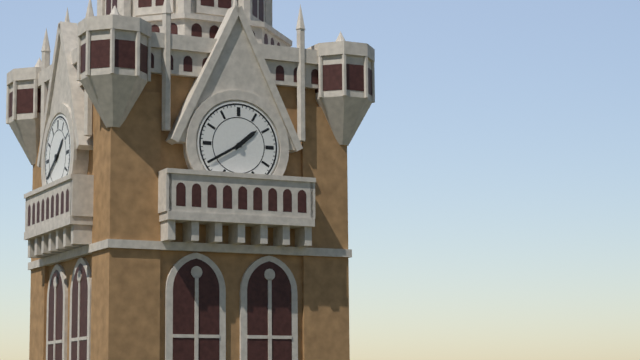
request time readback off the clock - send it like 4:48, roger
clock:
1:40
